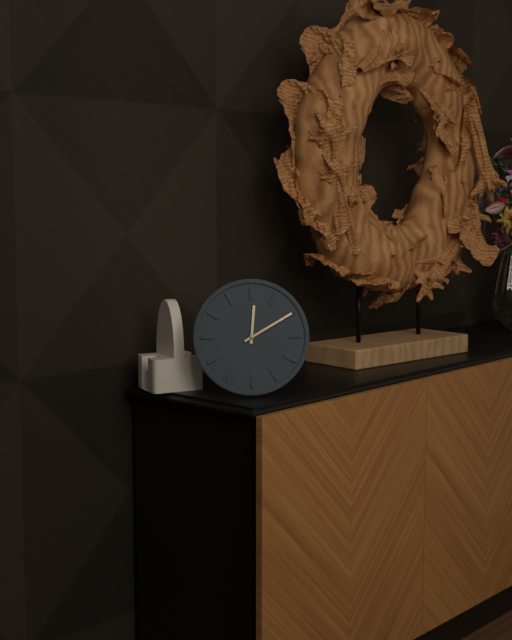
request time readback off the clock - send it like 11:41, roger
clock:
12:10
